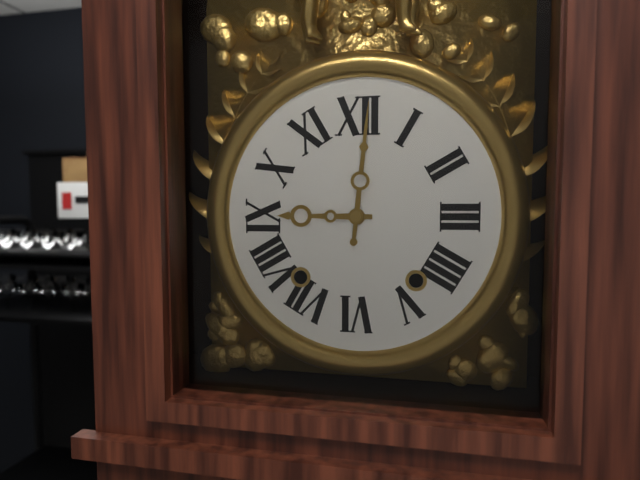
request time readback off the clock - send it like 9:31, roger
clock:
9:01
